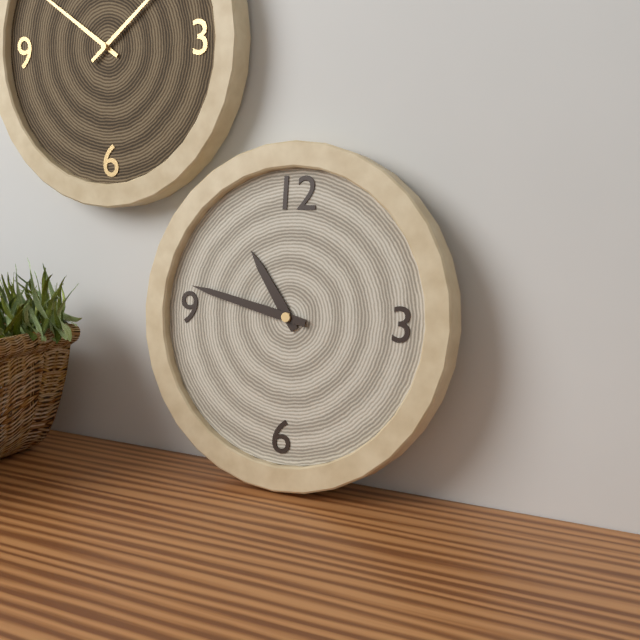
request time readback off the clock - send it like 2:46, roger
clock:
10:47
